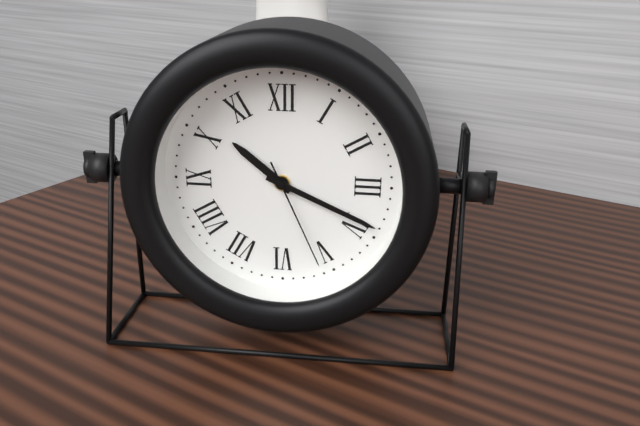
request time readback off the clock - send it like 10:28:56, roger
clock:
10:19:26
